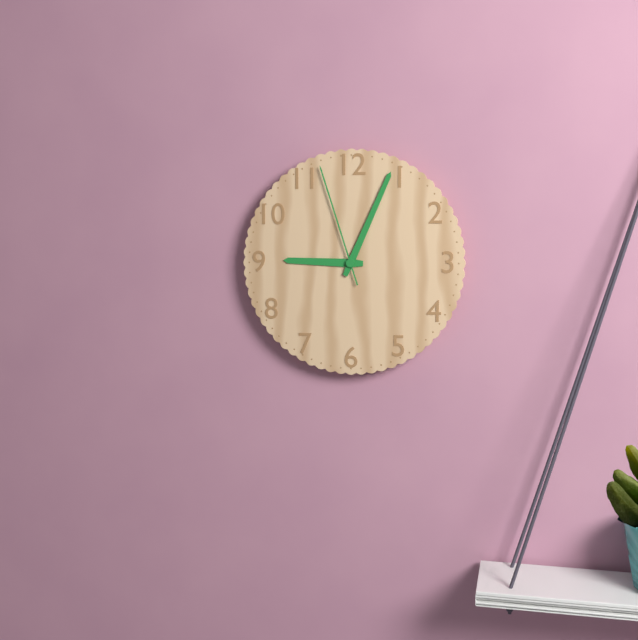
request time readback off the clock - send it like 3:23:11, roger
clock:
9:04:57
